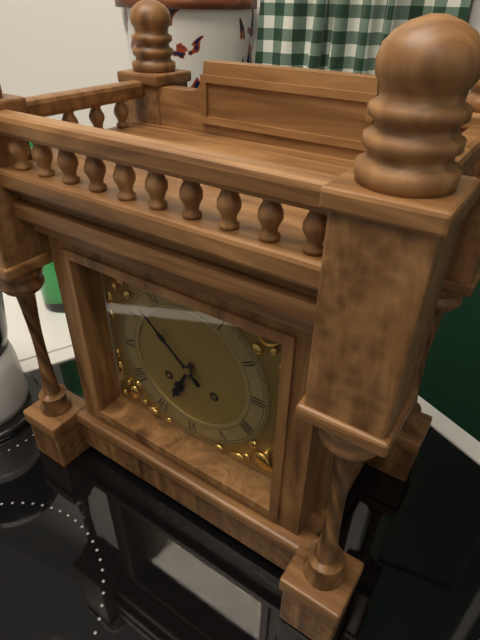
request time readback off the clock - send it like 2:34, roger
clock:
6:52
